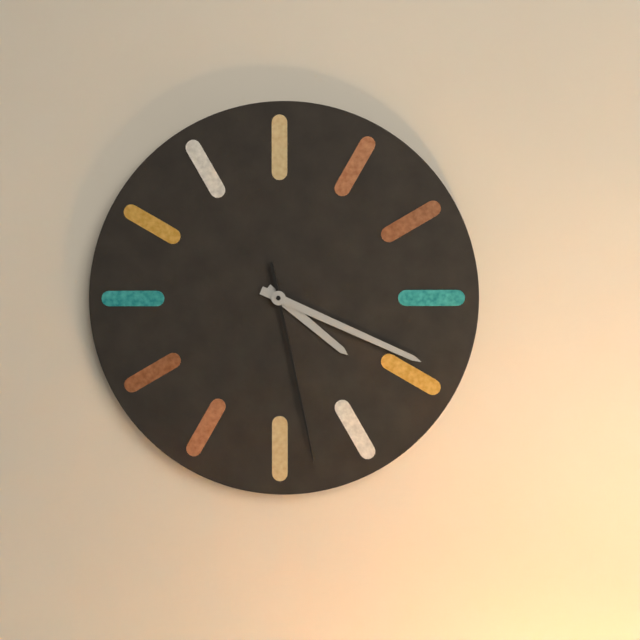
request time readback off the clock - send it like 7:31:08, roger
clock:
4:19:28
